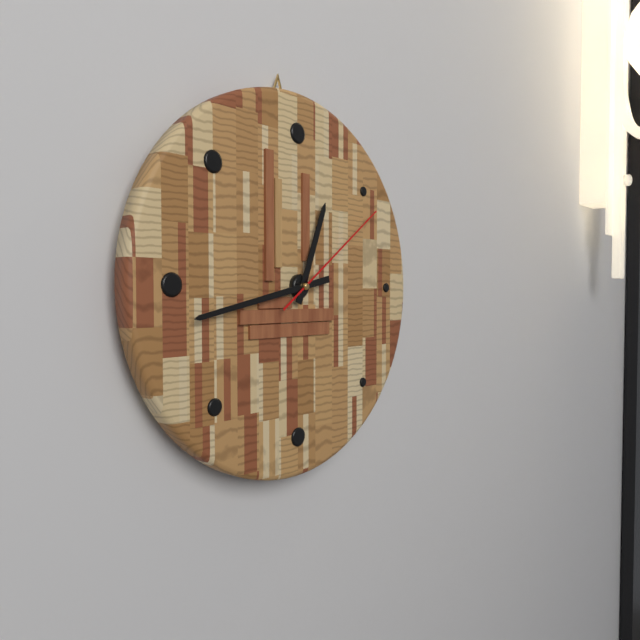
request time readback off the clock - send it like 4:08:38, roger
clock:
12:43:09
